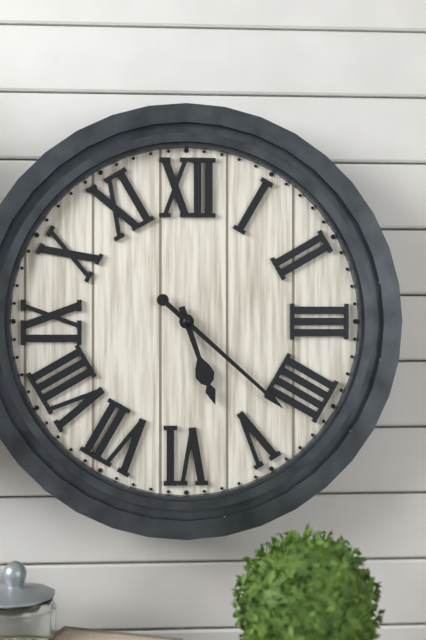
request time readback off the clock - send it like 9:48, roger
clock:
5:22
